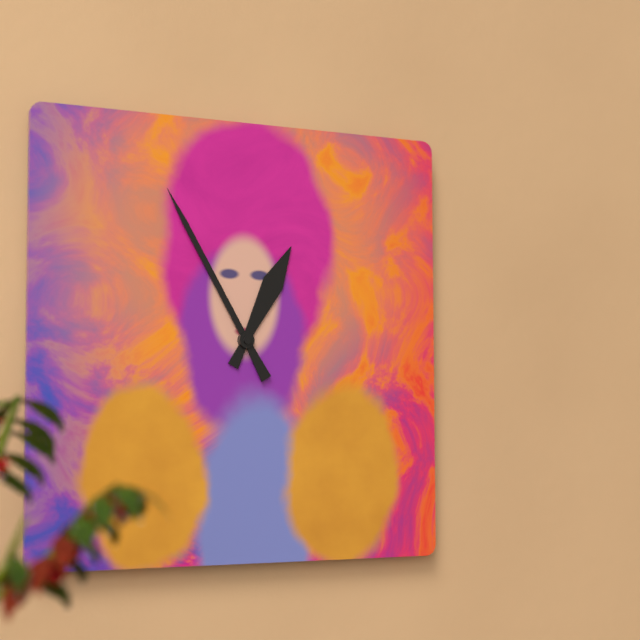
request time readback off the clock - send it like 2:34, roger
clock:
12:55
